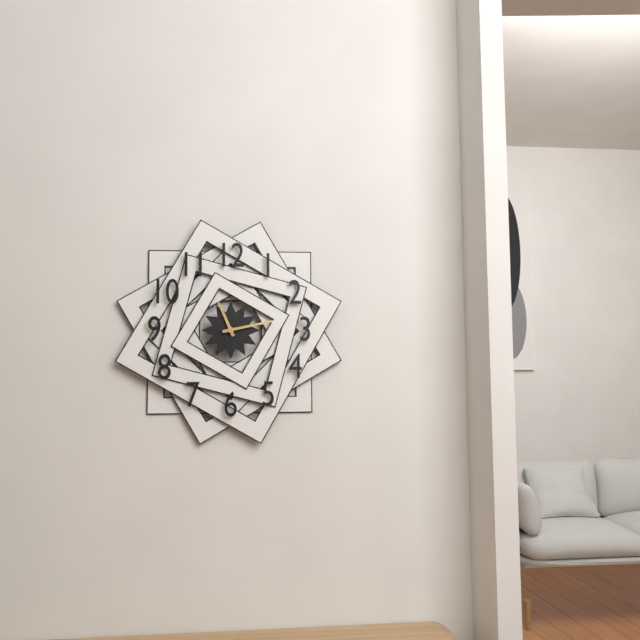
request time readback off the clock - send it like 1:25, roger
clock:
11:13
